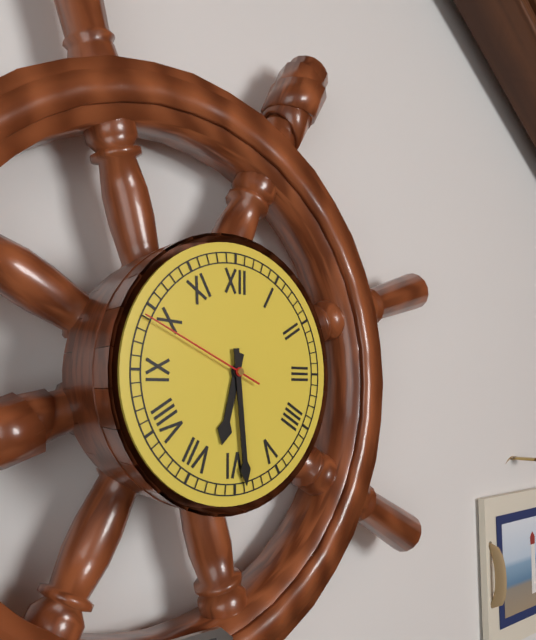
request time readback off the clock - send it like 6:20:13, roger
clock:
6:29:49
